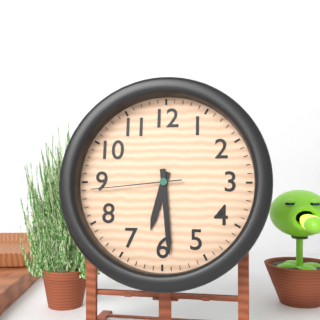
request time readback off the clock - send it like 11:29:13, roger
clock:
6:29:44
